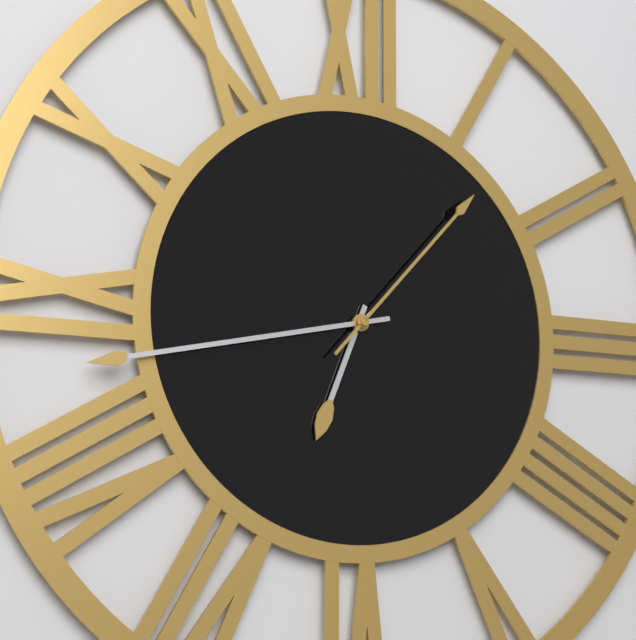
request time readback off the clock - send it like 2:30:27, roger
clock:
6:43:07
